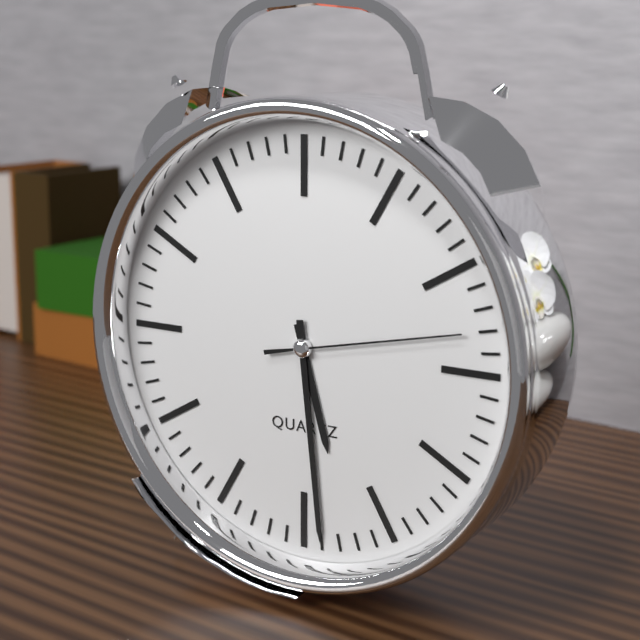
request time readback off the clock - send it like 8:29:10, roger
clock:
5:29:13
